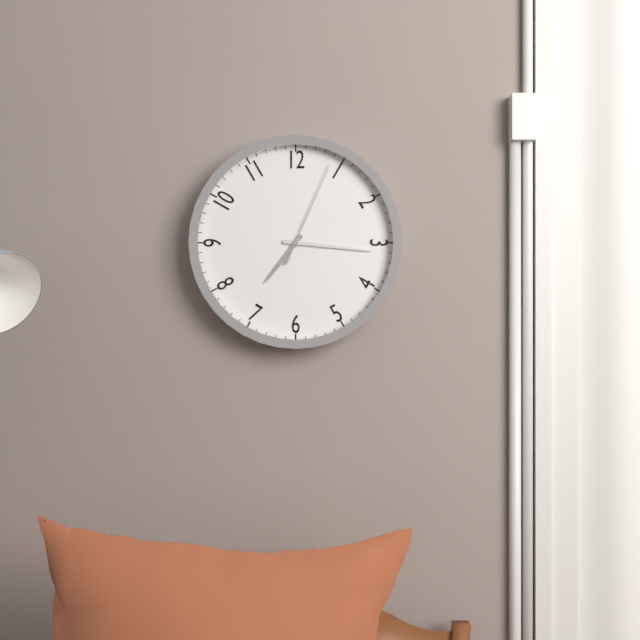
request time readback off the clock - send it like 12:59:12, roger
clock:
7:16:04
